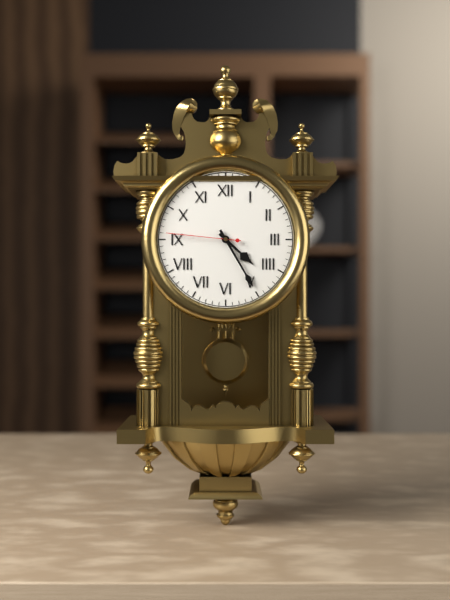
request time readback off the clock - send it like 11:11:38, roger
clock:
4:25:46
